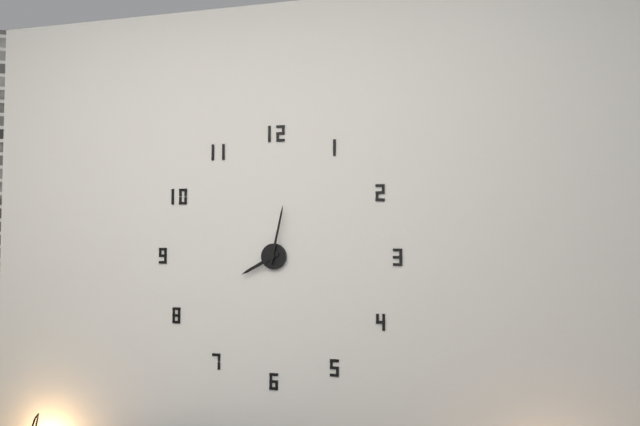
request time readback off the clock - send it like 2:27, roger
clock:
8:02
